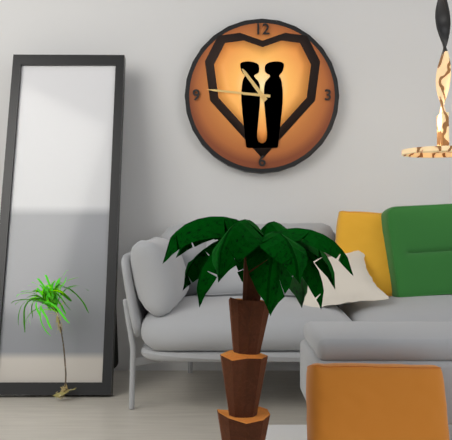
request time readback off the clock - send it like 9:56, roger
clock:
10:46
